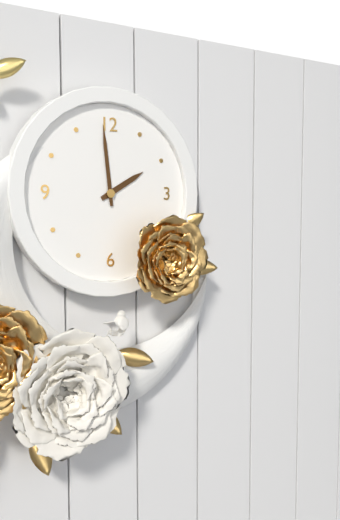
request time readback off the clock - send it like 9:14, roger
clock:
1:59
